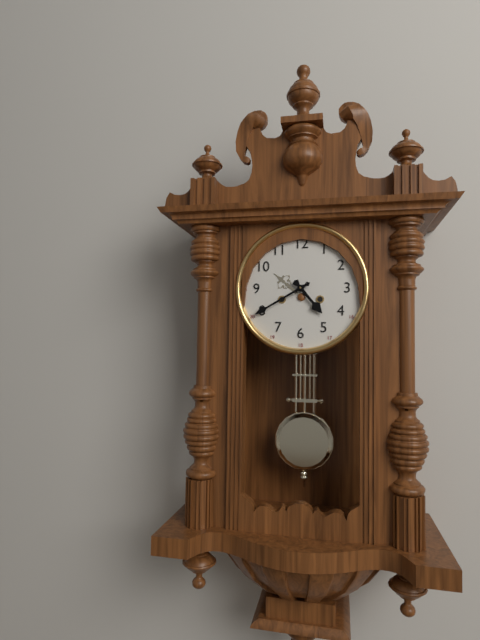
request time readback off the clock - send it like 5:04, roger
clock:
4:40
